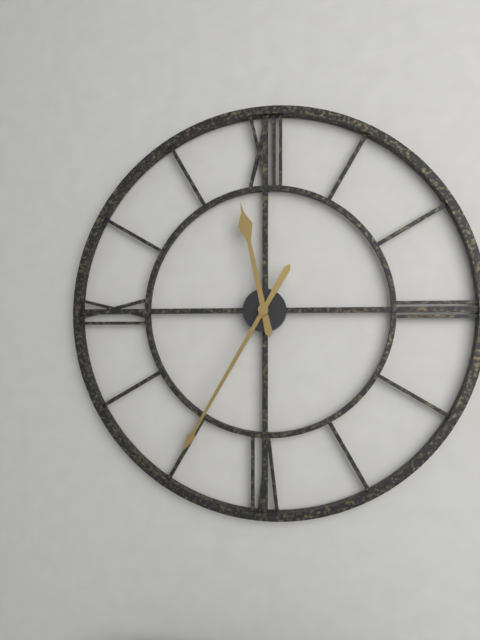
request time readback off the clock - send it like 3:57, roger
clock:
11:35
